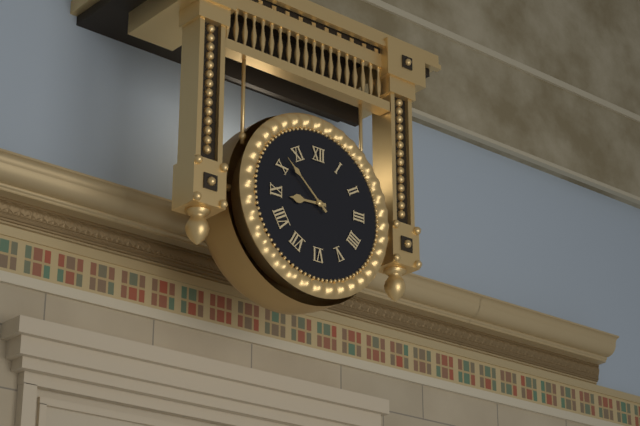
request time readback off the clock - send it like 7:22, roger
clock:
8:52
